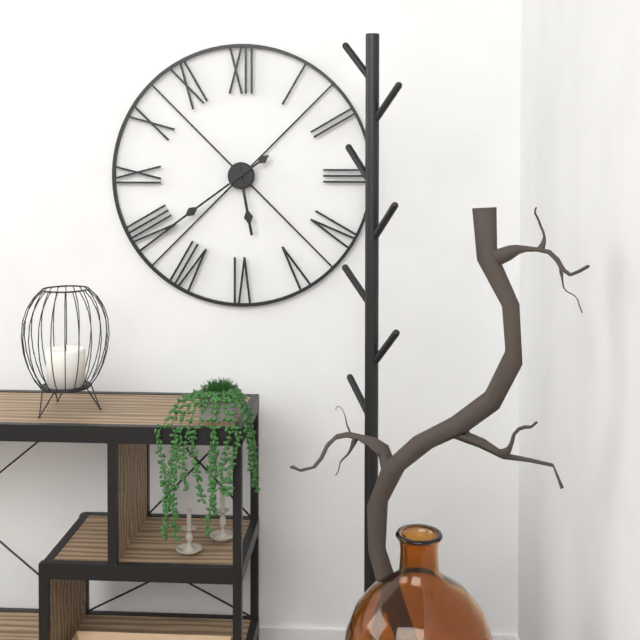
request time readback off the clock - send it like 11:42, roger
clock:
5:39
